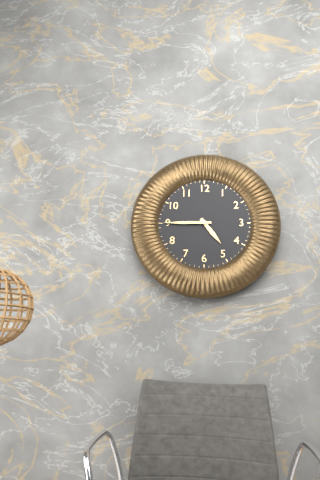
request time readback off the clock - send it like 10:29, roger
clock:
4:45
